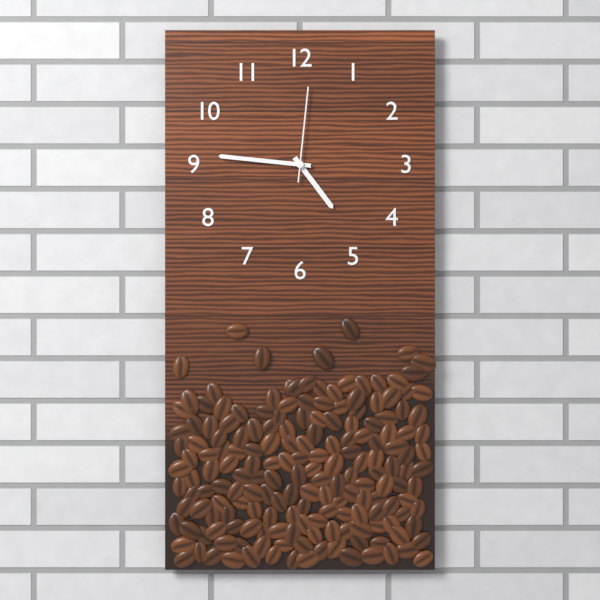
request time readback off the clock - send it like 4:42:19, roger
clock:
4:46:01
